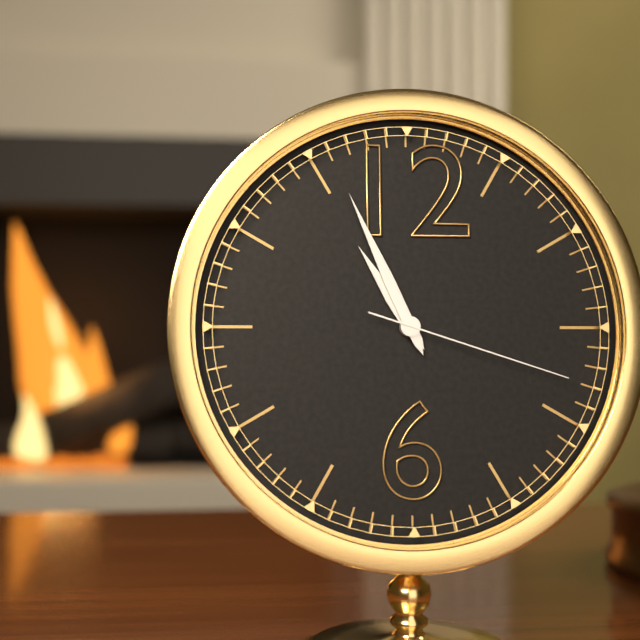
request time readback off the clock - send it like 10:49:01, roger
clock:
10:56:18
